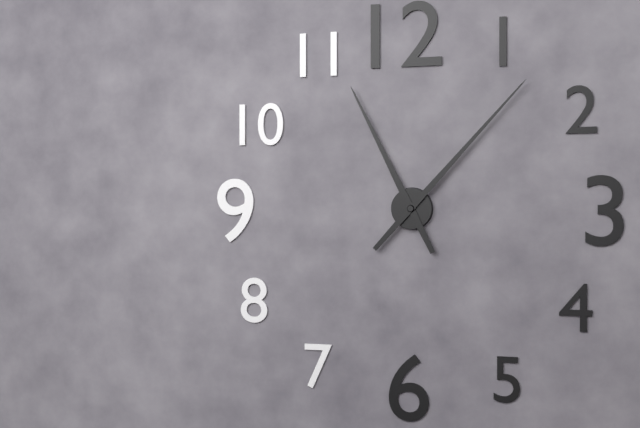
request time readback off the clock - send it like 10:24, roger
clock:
11:07
